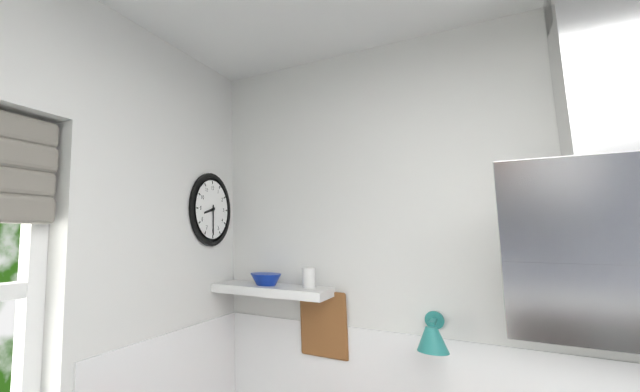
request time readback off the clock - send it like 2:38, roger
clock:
8:30
